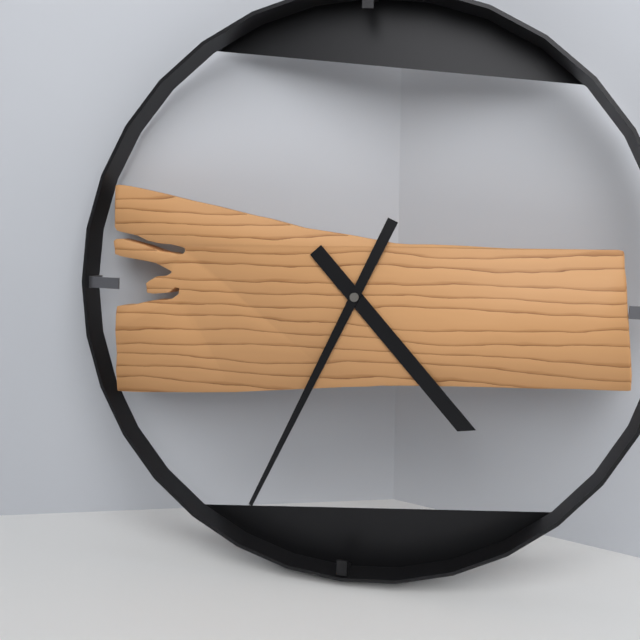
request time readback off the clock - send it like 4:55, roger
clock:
4:34
